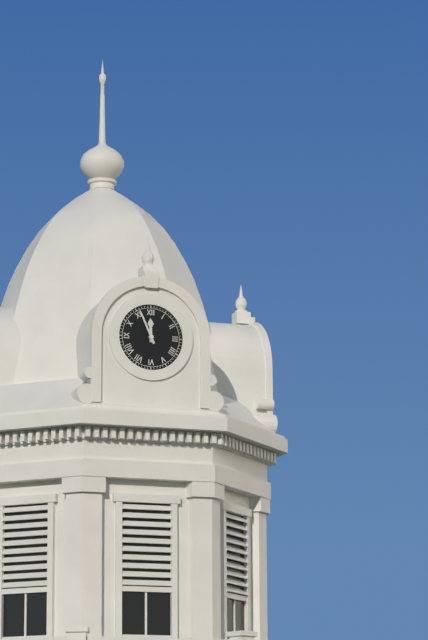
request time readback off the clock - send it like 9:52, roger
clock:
11:56
